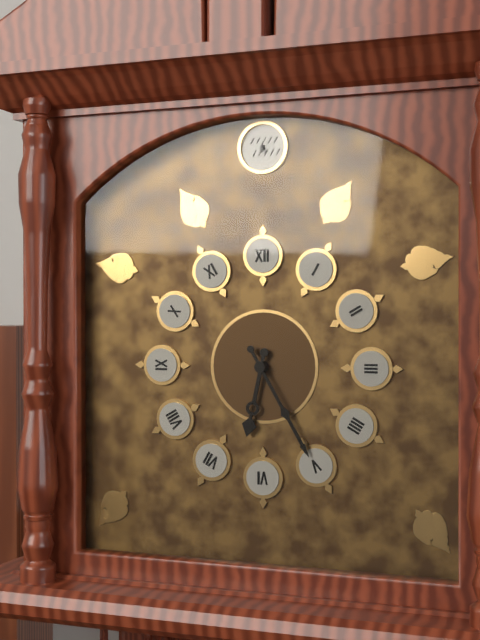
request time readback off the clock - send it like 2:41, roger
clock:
6:25
